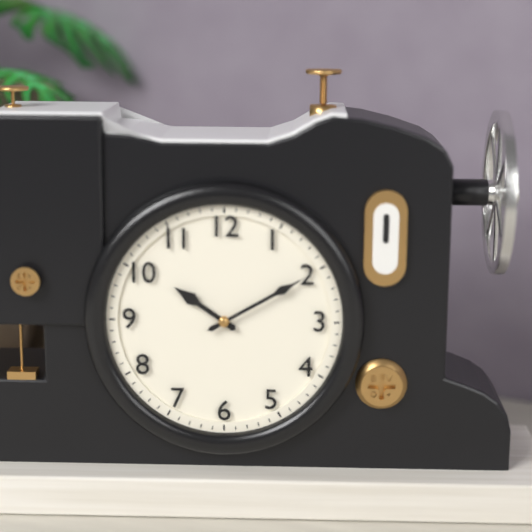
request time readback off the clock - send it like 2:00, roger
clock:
10:10
